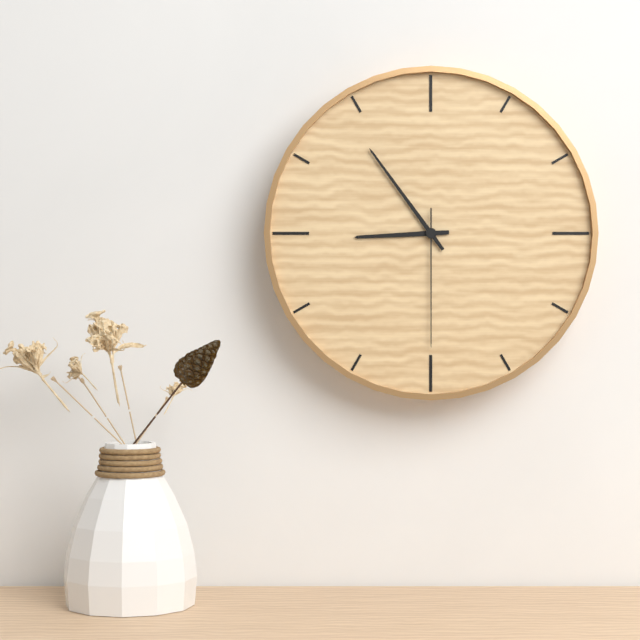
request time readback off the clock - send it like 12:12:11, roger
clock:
8:54:30
